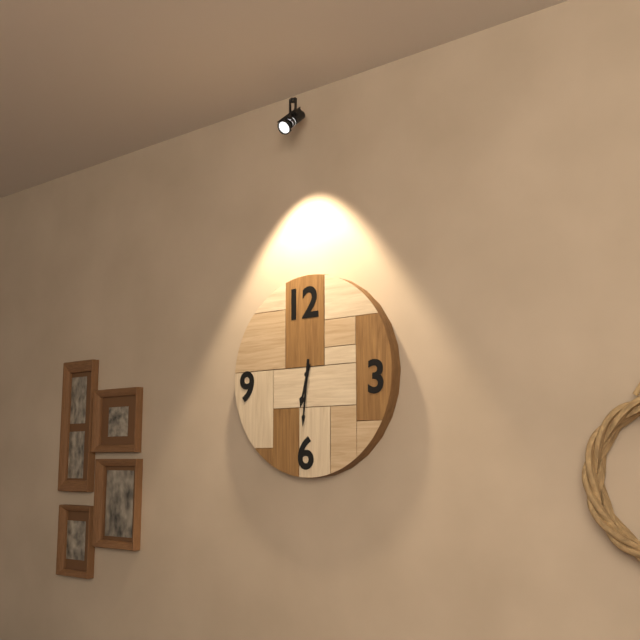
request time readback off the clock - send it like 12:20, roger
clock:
6:31
